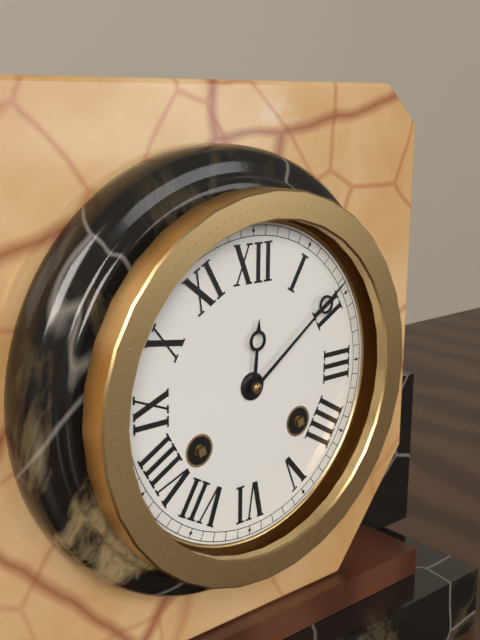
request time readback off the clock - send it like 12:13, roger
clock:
12:09
